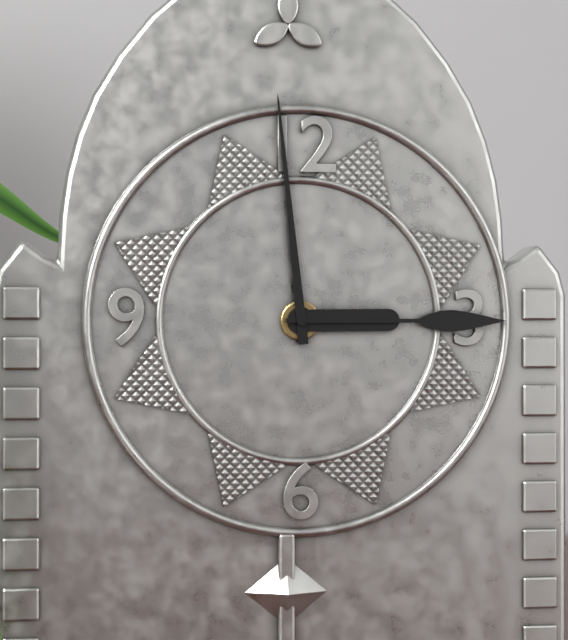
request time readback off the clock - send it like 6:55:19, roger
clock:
2:59:15
